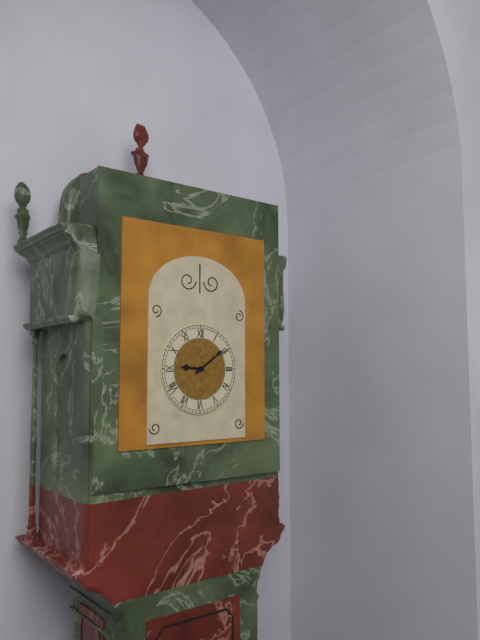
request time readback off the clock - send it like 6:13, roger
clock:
9:09
